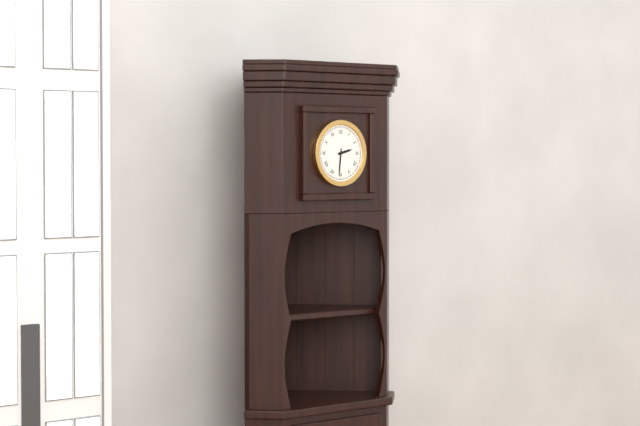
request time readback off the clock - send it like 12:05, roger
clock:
2:31
